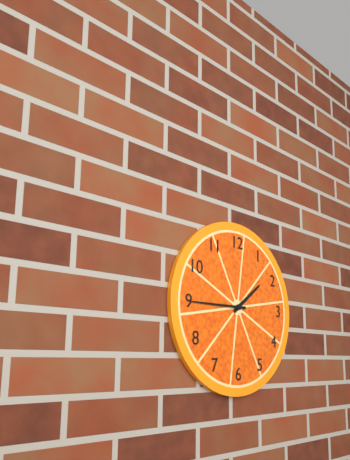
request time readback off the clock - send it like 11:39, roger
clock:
1:45
